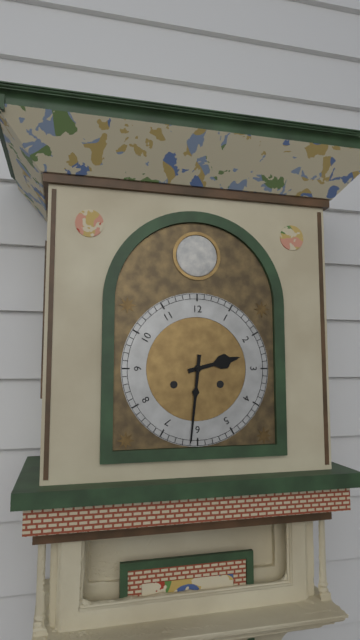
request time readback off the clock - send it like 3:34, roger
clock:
2:31
